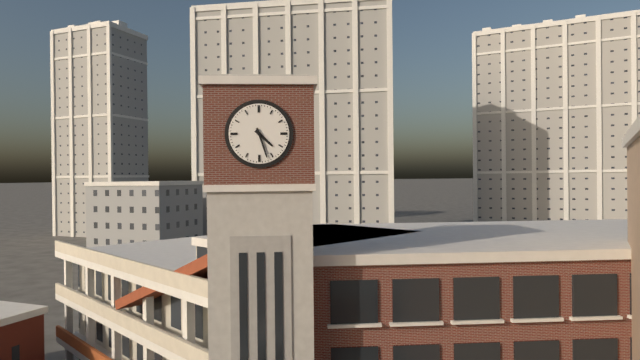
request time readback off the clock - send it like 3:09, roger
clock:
4:27
